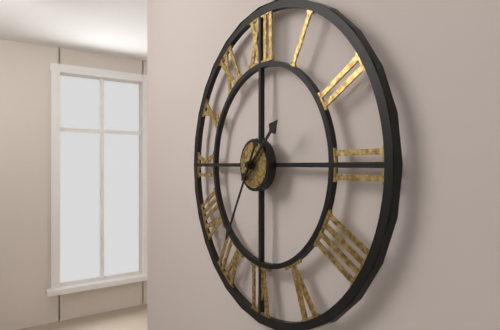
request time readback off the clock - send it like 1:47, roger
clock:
1:35
